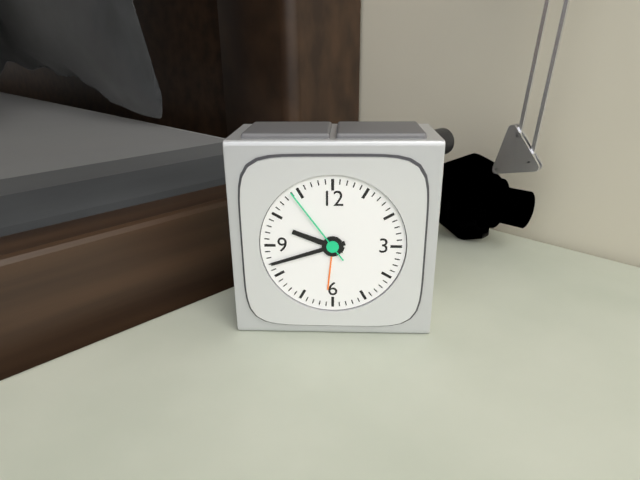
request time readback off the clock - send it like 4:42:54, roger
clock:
9:42:54
